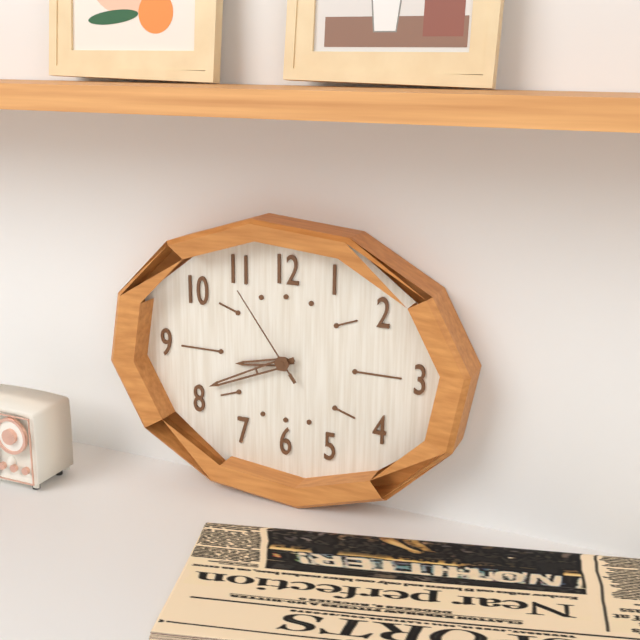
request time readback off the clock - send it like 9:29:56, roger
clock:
8:41:54
